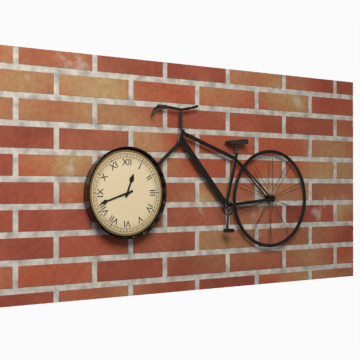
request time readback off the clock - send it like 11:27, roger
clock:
12:42
